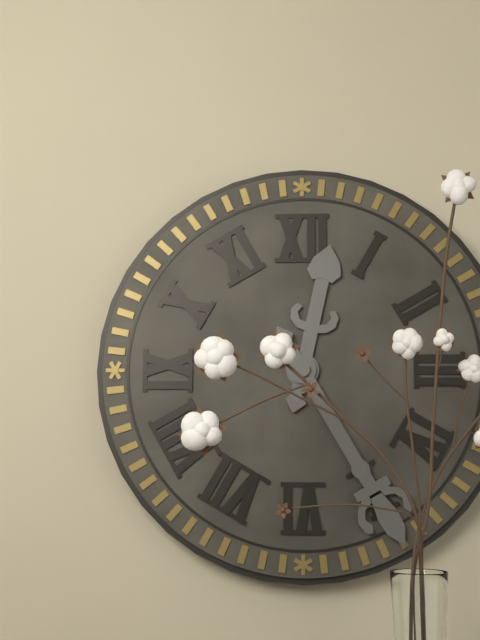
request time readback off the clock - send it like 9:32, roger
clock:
12:25
